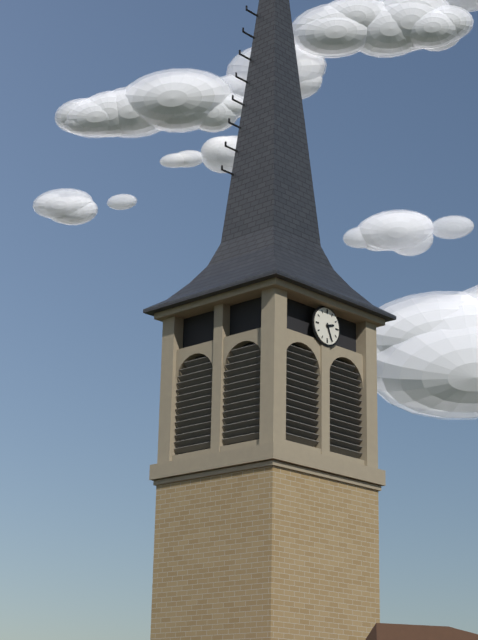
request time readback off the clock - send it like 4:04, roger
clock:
2:26
